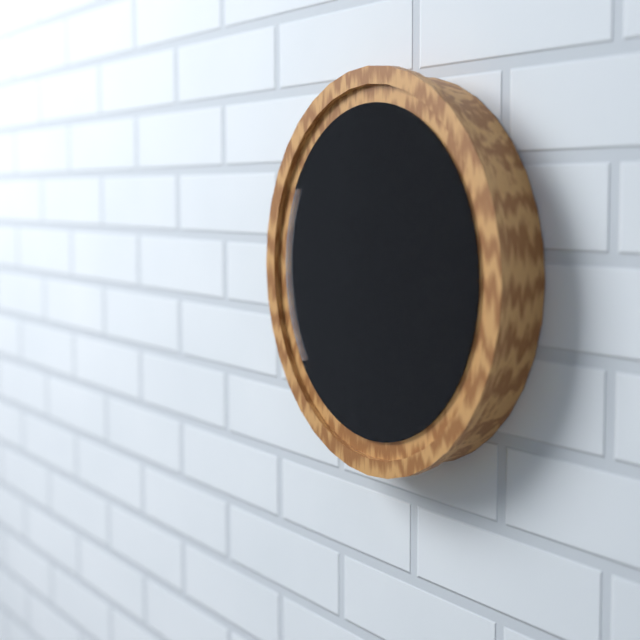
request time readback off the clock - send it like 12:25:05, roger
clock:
5:02:33
